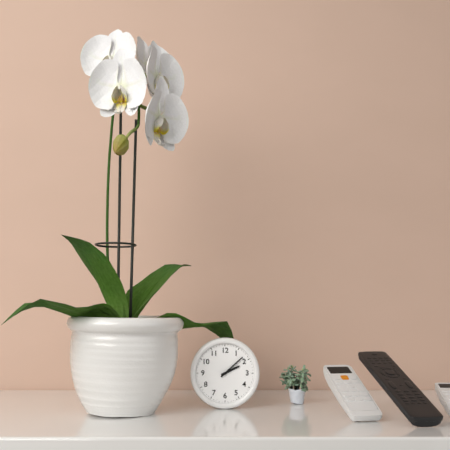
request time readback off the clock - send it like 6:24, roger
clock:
2:08
